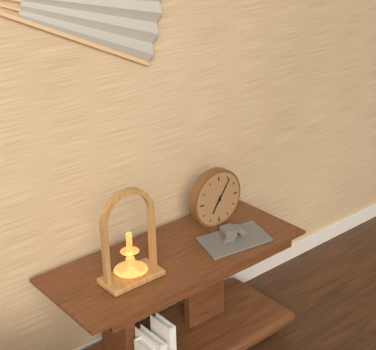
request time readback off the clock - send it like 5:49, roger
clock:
7:06
